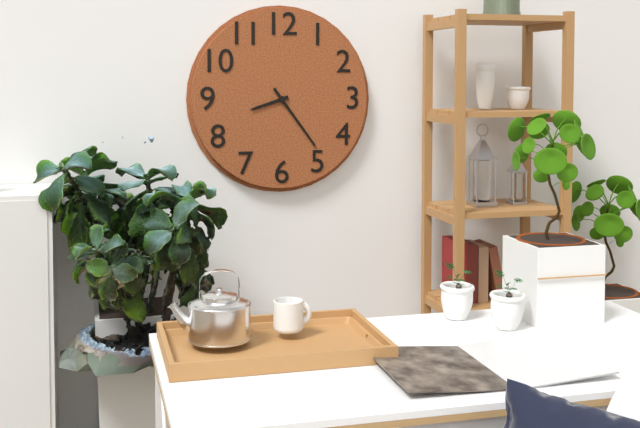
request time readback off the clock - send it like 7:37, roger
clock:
8:24
